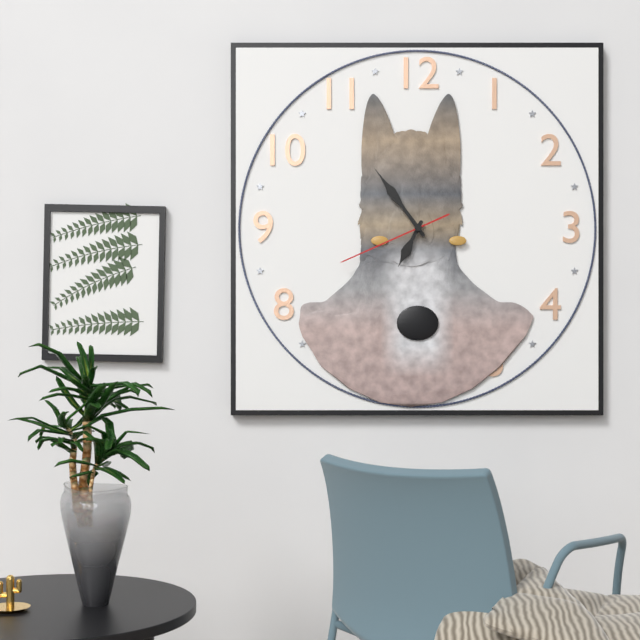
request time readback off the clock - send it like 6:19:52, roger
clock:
6:54:41
